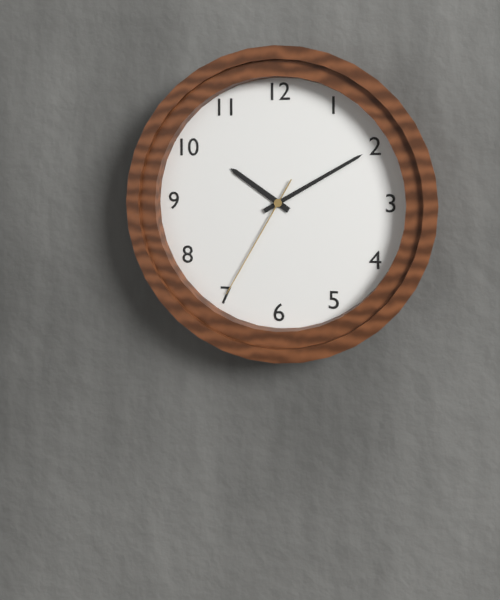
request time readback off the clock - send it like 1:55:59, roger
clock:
10:10:35
